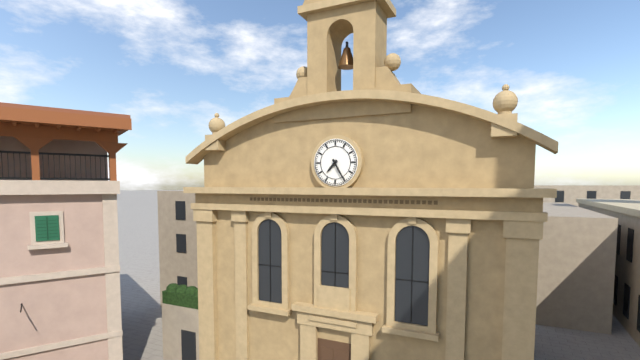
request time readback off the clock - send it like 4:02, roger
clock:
7:25
